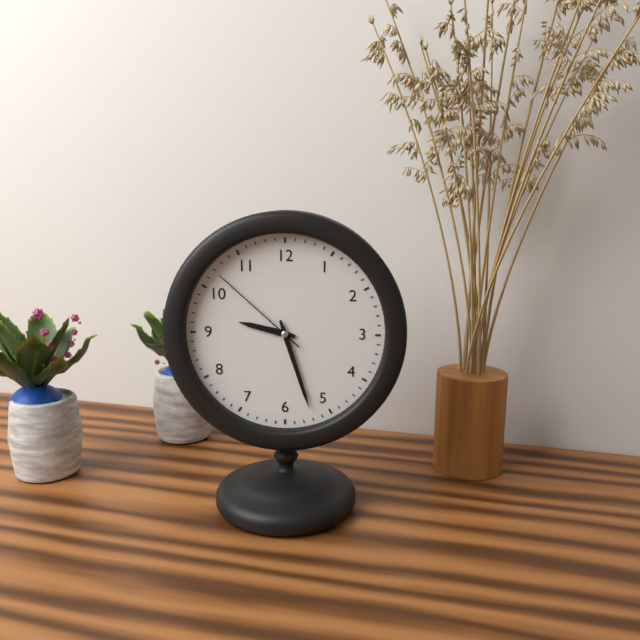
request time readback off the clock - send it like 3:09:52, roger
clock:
9:27:52
